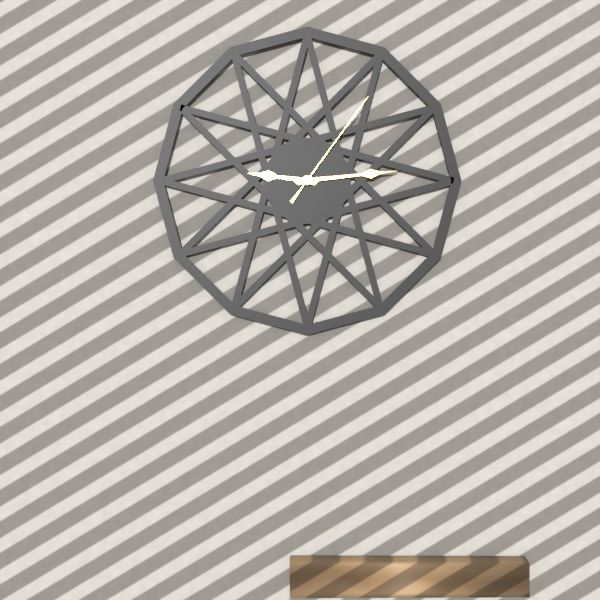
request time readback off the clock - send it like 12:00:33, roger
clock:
9:14:06
